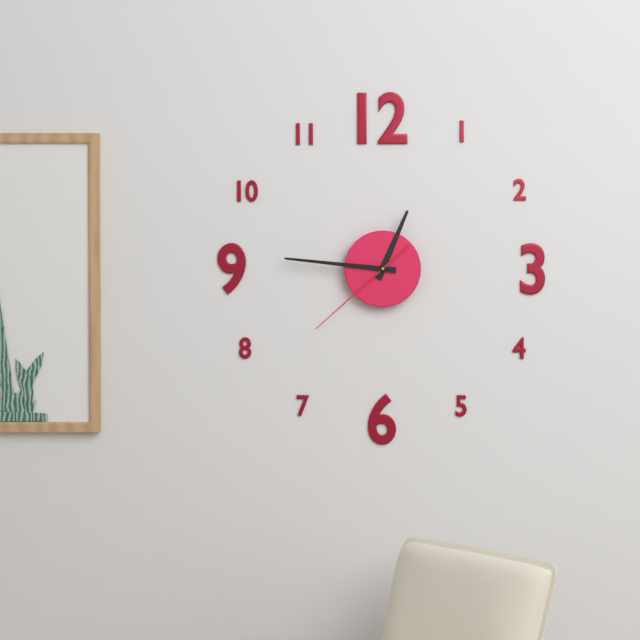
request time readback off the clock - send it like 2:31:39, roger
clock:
12:46:38
